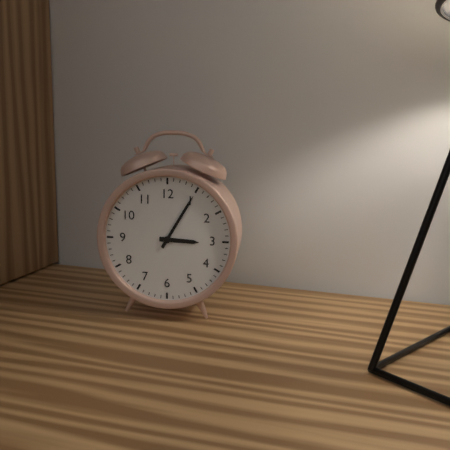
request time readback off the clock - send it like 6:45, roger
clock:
3:05
